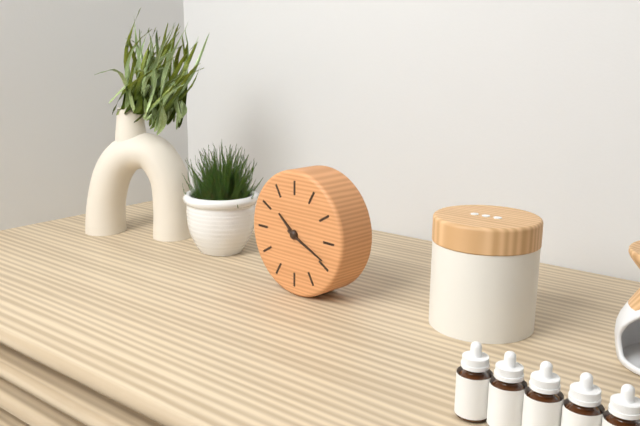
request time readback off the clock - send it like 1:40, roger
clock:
10:19
